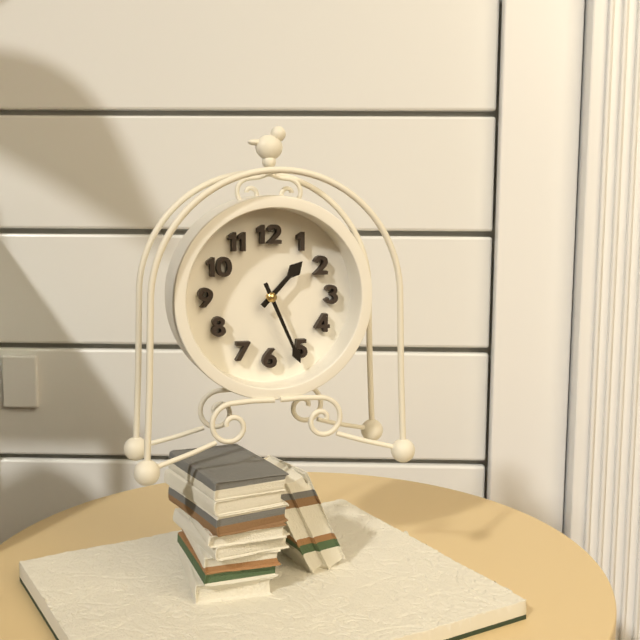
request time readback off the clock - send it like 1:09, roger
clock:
1:26
